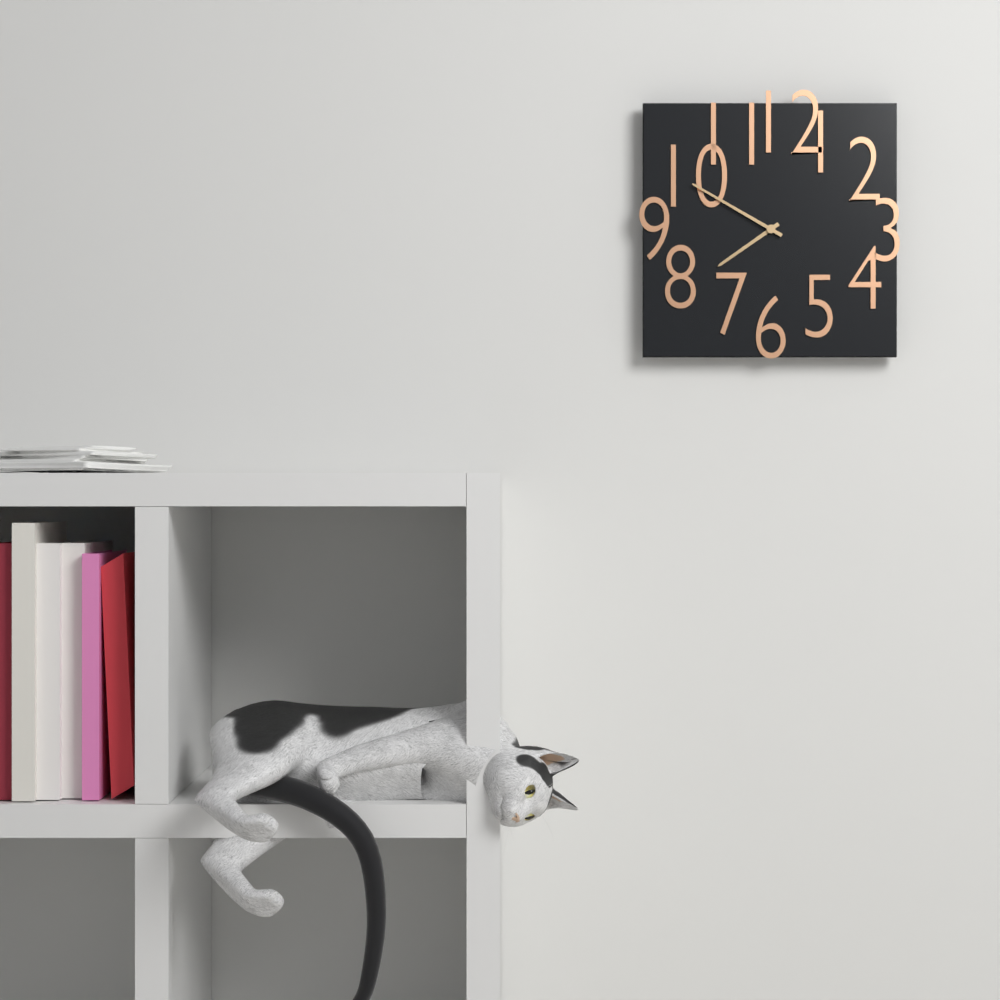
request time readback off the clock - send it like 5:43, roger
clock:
7:50
